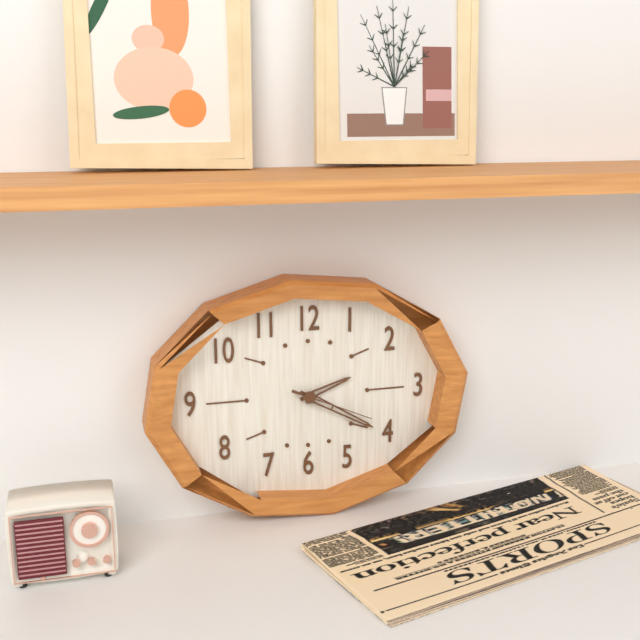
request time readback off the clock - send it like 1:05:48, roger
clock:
2:20:19
